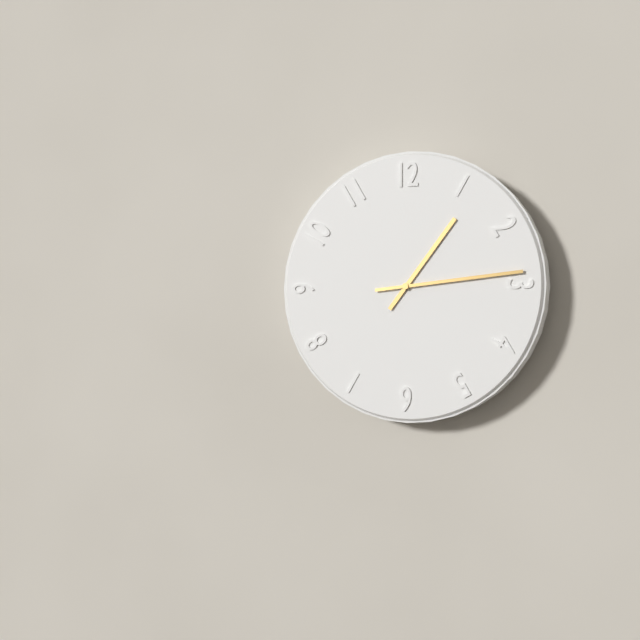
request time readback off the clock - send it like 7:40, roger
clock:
1:14
